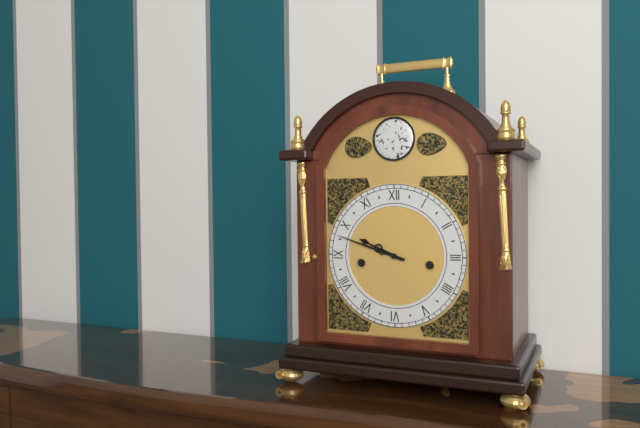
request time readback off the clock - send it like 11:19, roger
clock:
9:48
